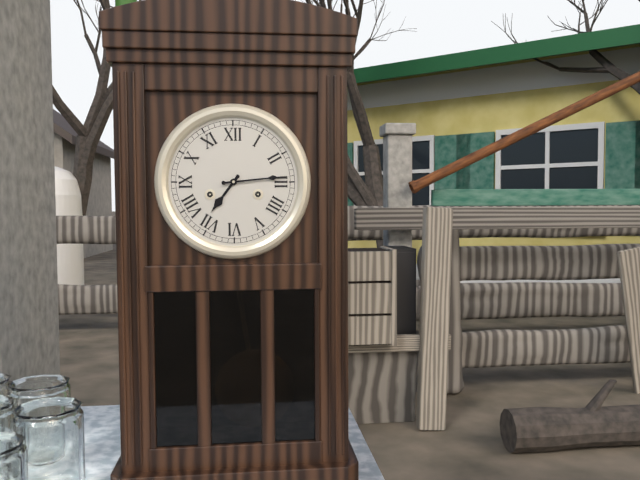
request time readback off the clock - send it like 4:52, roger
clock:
7:14
